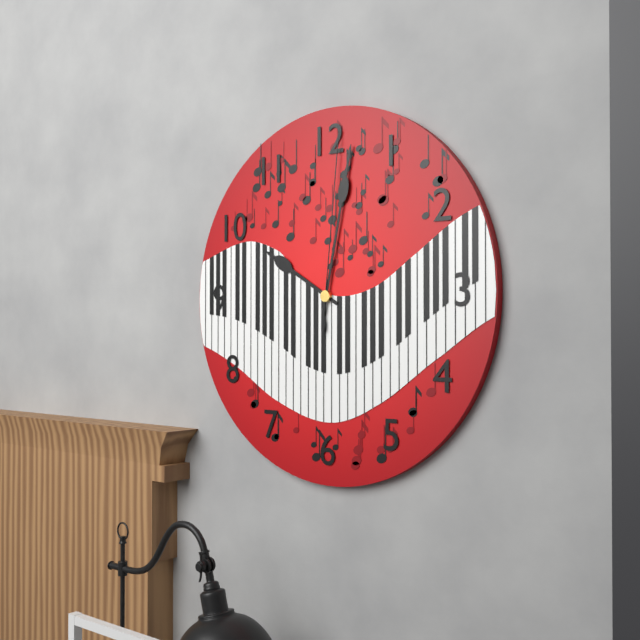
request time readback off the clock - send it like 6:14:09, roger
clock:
10:02:01
